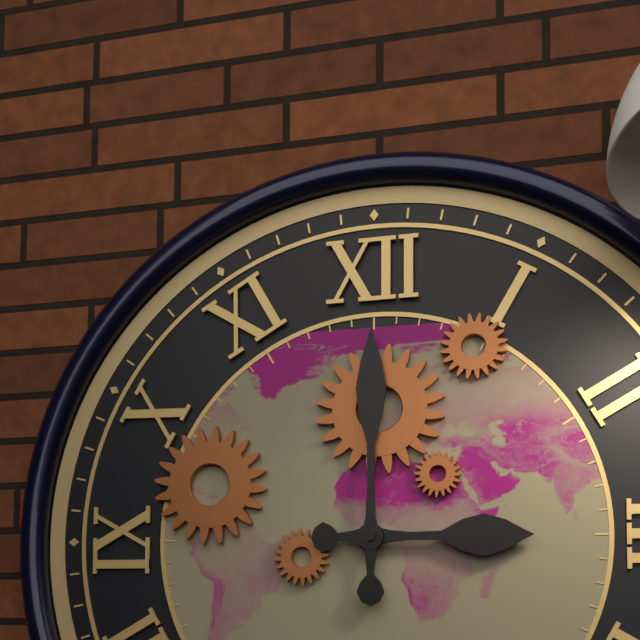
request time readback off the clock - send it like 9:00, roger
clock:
3:00
